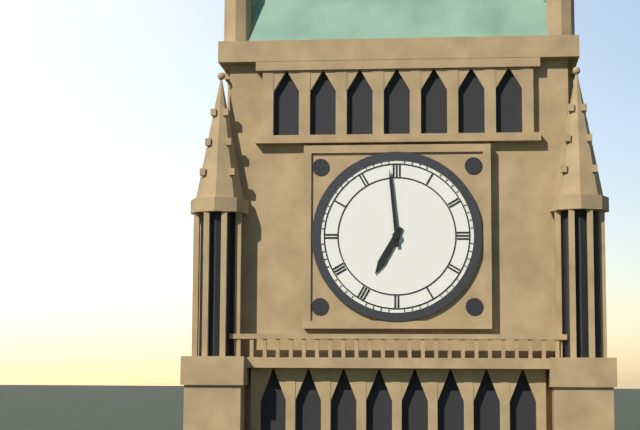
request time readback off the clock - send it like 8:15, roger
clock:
6:59
